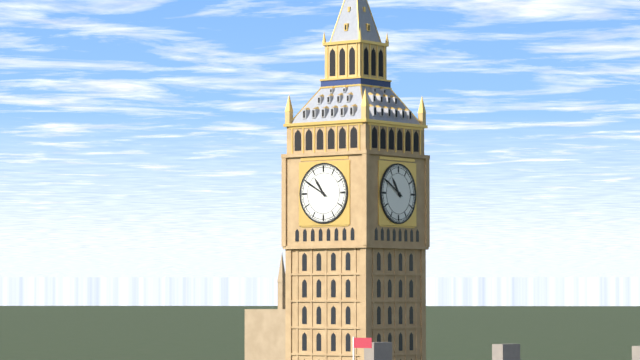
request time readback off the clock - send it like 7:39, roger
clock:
10:50
